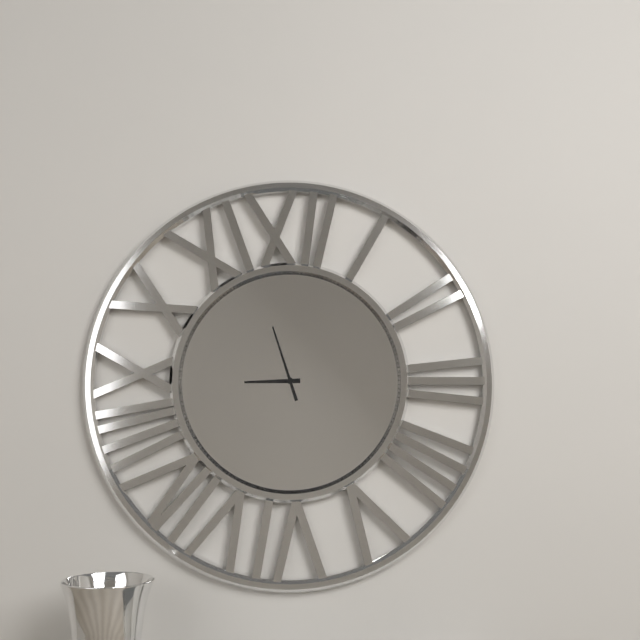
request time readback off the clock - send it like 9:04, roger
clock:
8:57
